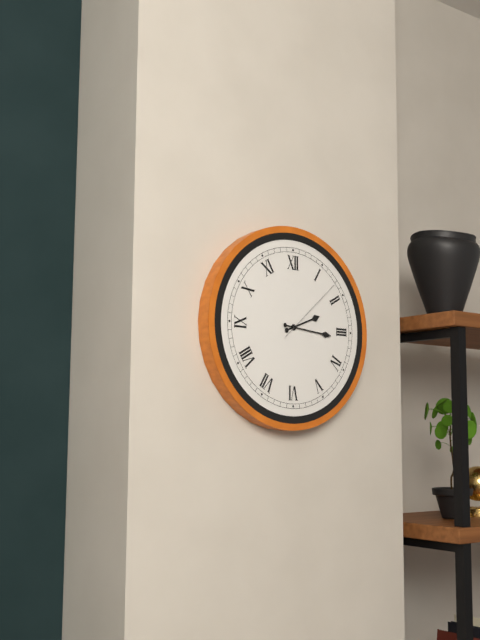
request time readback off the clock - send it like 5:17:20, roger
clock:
2:16:08
